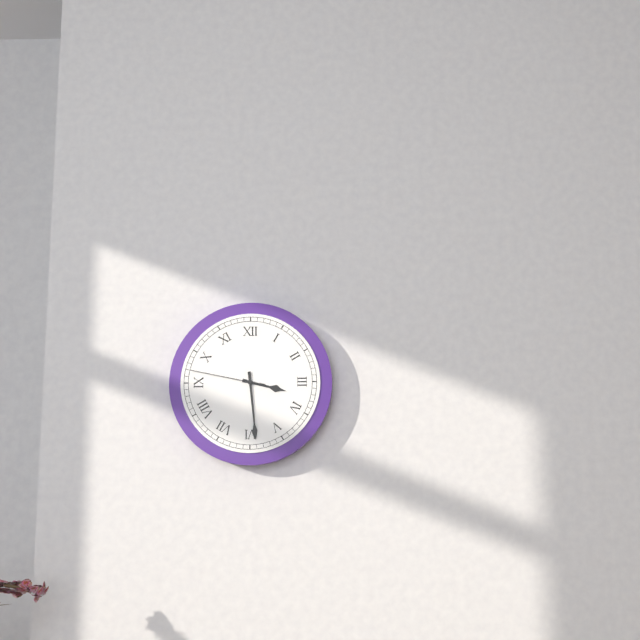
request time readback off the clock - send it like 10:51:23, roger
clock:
3:29:47
